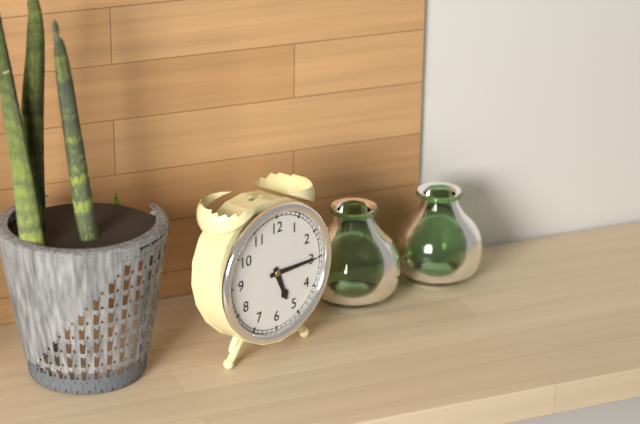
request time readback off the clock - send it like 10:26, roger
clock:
5:15
